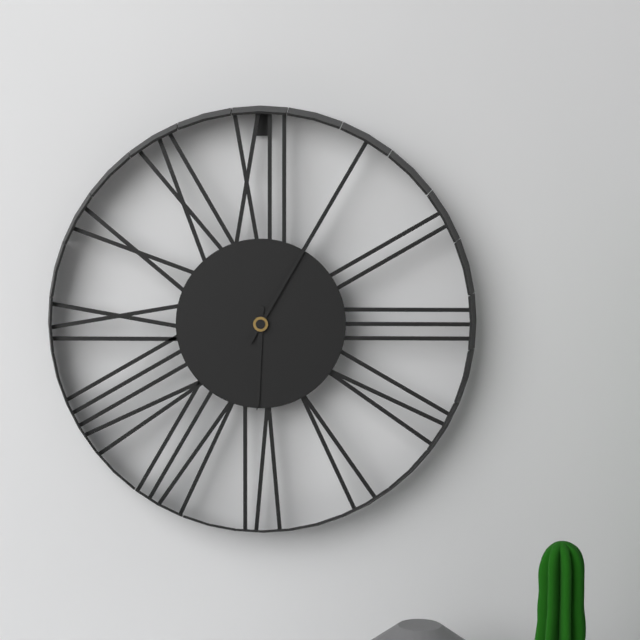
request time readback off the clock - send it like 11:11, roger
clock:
6:05
